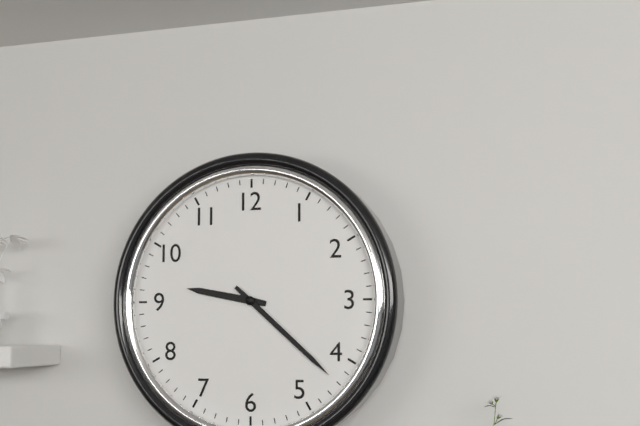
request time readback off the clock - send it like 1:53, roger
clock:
9:22
